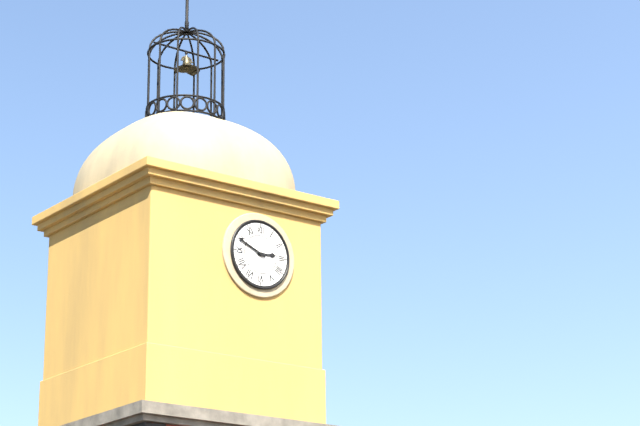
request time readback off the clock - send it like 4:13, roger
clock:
2:49
